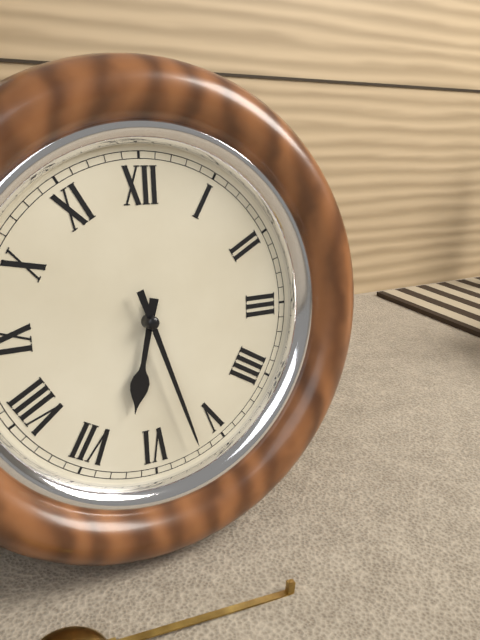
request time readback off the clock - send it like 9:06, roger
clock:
6:27
